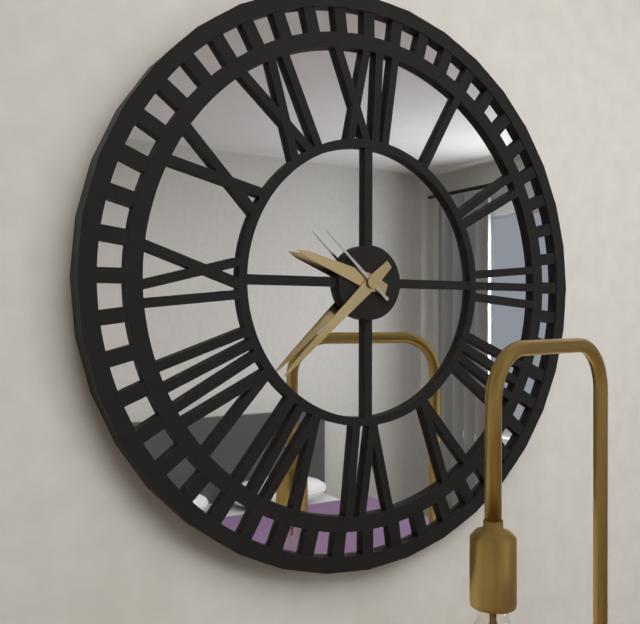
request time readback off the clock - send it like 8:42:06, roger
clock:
9:38:52
